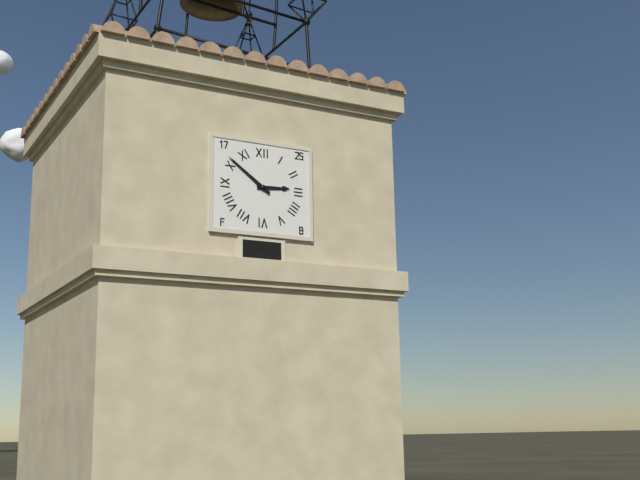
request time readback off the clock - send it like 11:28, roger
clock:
2:51
